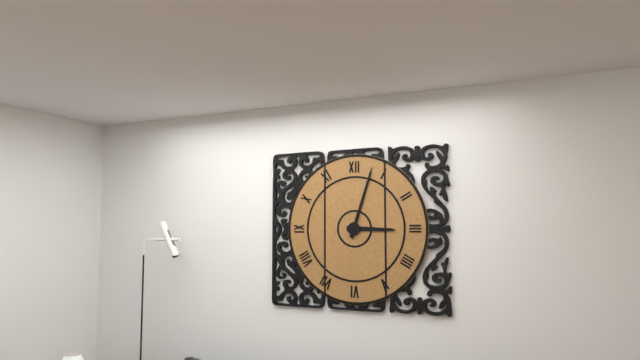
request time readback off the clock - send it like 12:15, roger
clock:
3:03
